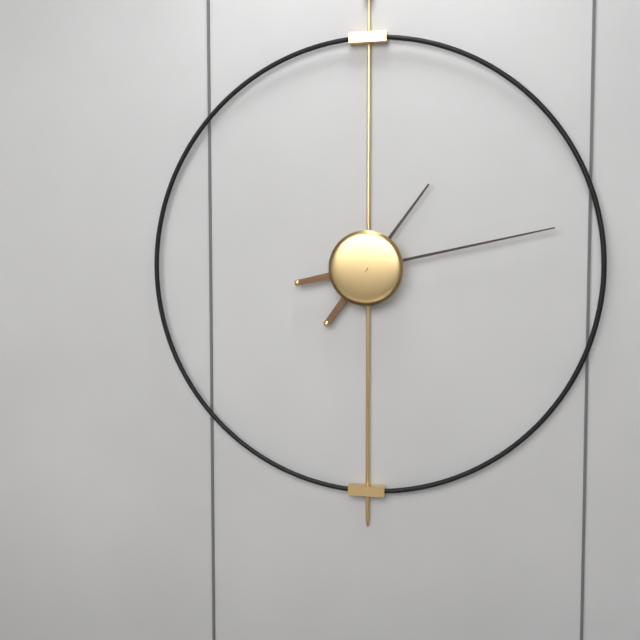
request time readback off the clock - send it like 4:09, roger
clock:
1:13
